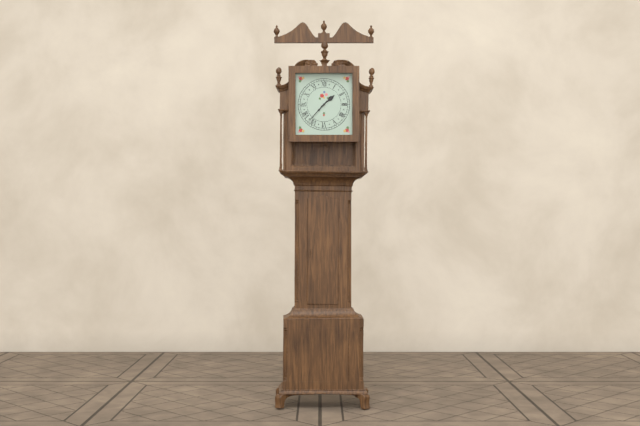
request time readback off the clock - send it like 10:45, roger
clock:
1:37
